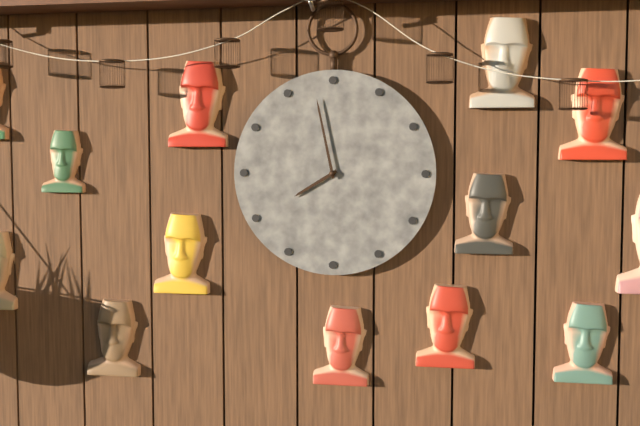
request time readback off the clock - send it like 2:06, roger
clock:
7:58
